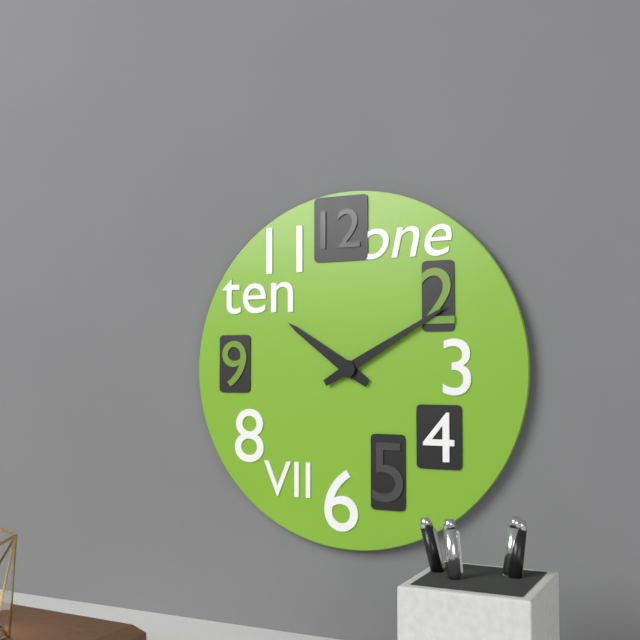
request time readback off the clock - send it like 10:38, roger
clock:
10:10
